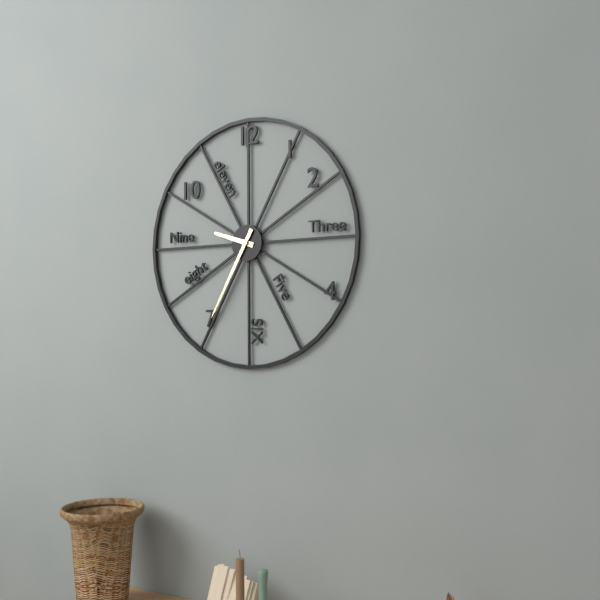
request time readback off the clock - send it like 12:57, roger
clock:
9:35
